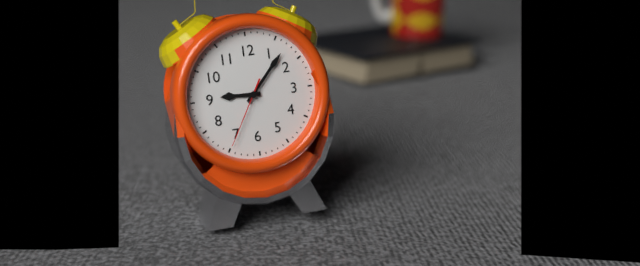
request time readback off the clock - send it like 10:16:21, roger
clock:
9:07:35
